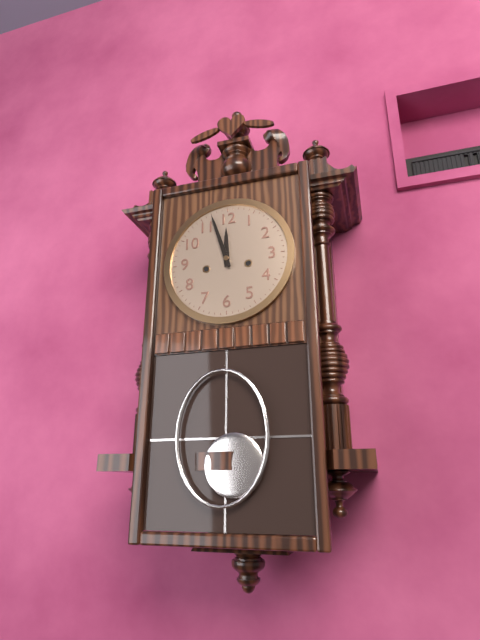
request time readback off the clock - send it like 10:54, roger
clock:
11:57
